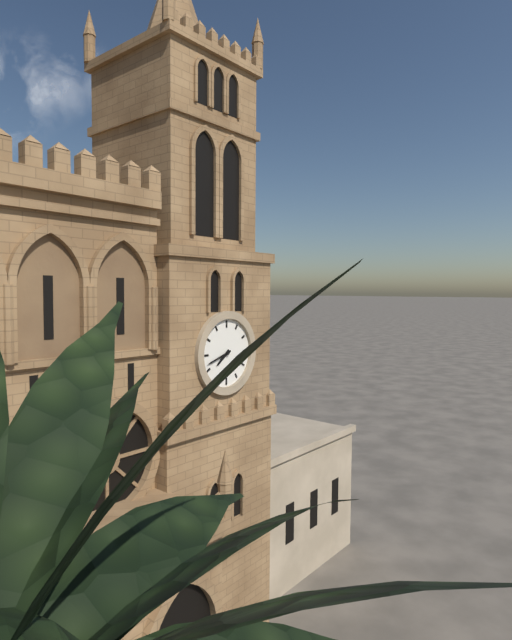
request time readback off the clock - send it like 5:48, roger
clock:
7:42
